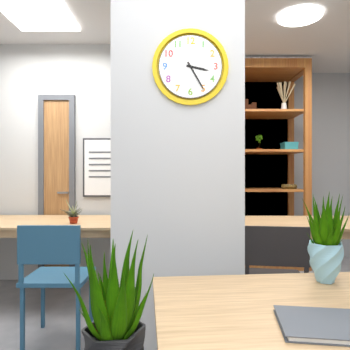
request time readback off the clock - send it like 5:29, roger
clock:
3:25
